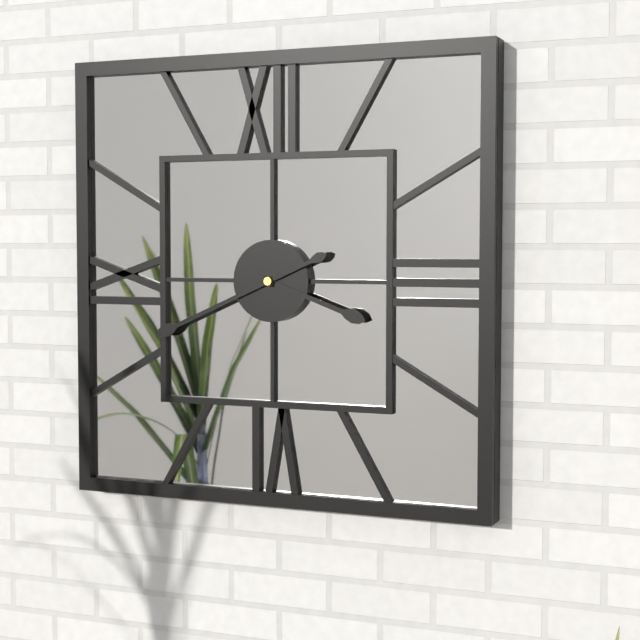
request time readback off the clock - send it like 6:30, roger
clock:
3:41
